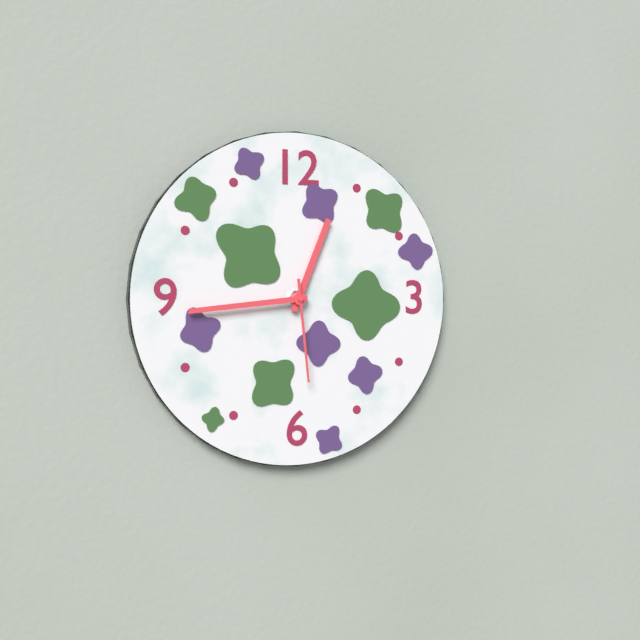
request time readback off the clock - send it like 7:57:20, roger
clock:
12:44:29
